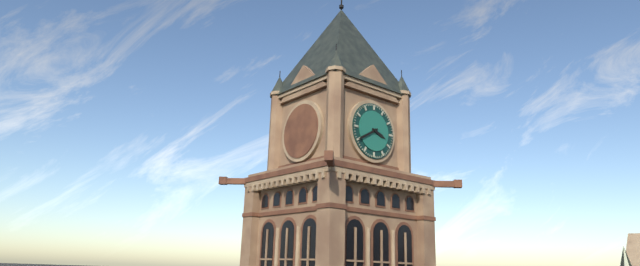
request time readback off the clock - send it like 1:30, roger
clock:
3:40
